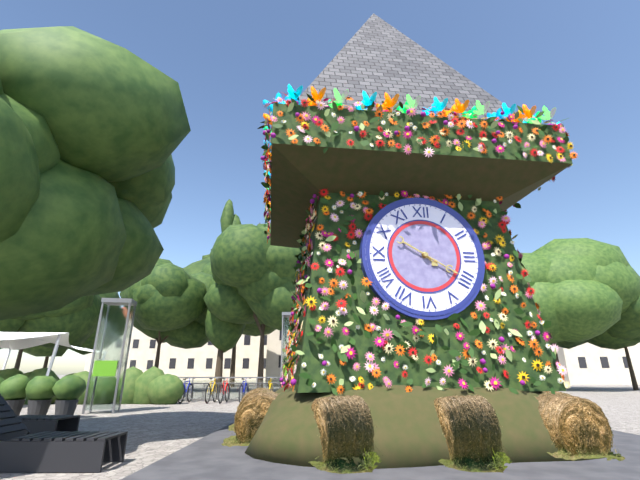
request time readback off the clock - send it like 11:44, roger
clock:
4:20
